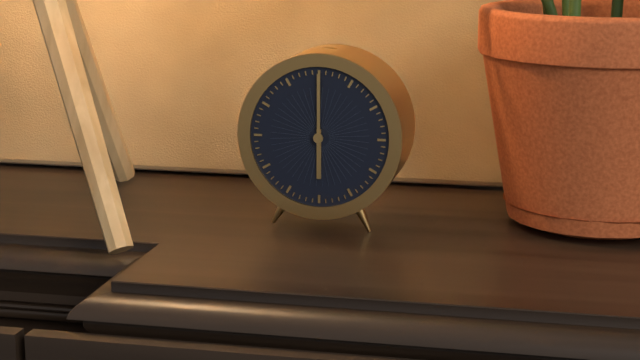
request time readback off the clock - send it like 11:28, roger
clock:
6:00
